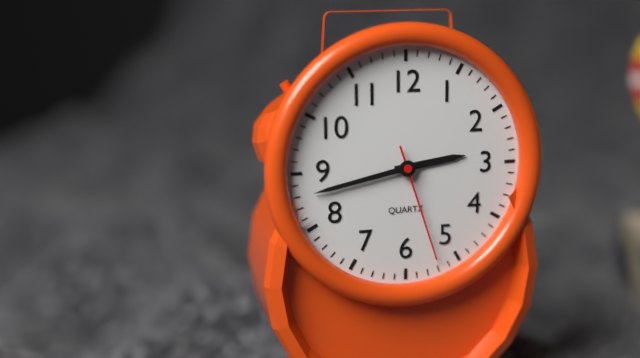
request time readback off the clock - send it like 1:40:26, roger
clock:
2:43:27
